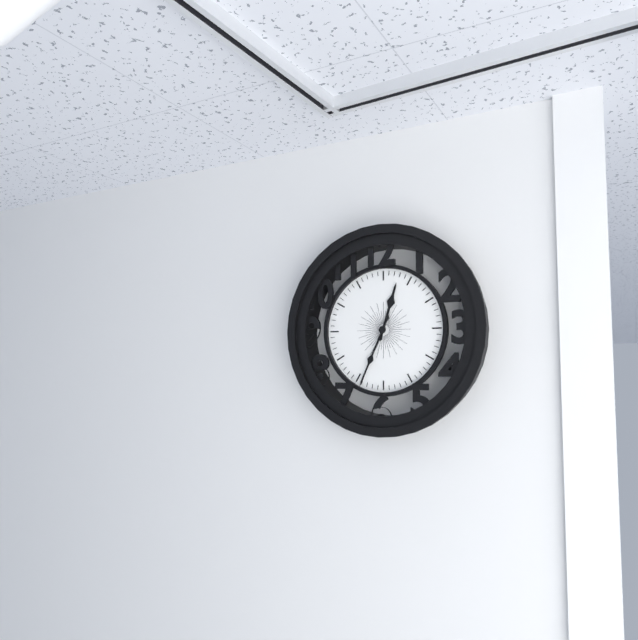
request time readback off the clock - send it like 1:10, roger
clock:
12:34
